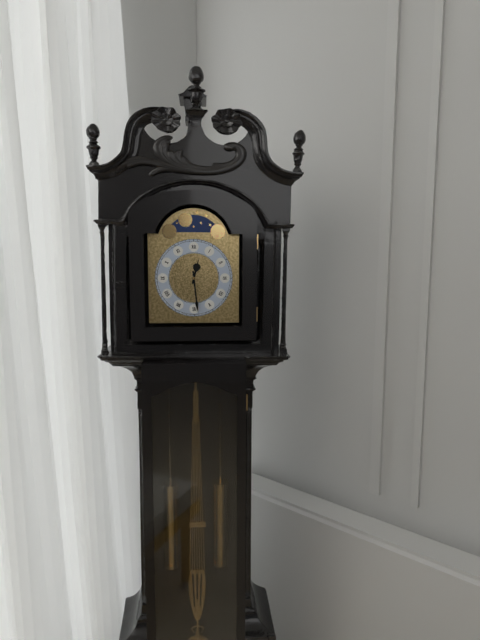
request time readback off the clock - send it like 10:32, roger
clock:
12:29
